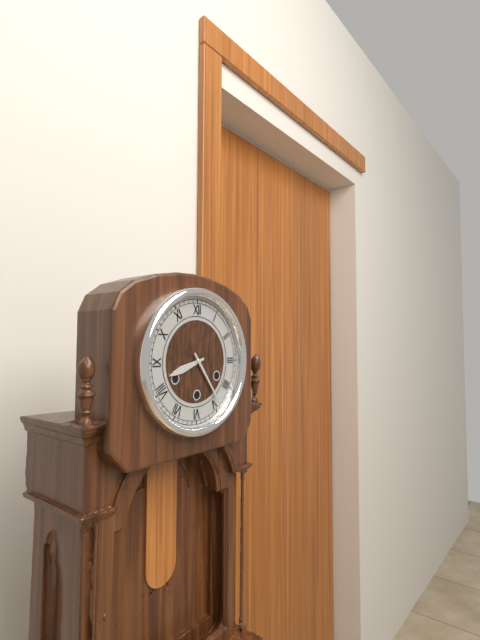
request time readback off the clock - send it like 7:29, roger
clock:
8:24
